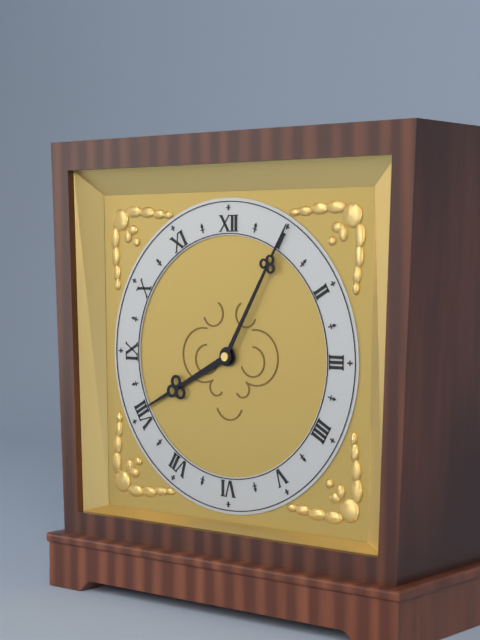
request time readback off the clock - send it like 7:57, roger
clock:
8:05
